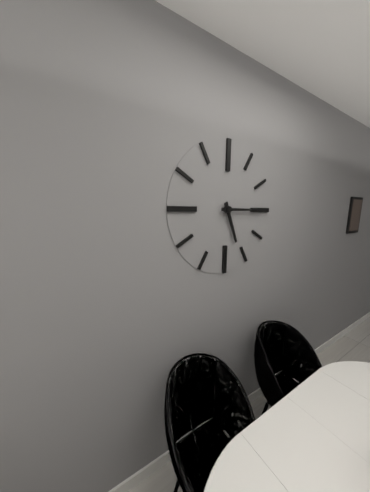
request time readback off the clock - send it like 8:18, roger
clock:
5:15
